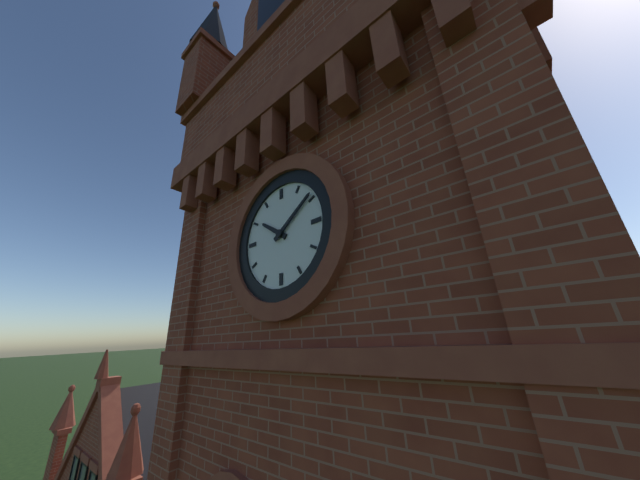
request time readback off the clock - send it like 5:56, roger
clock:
10:09
